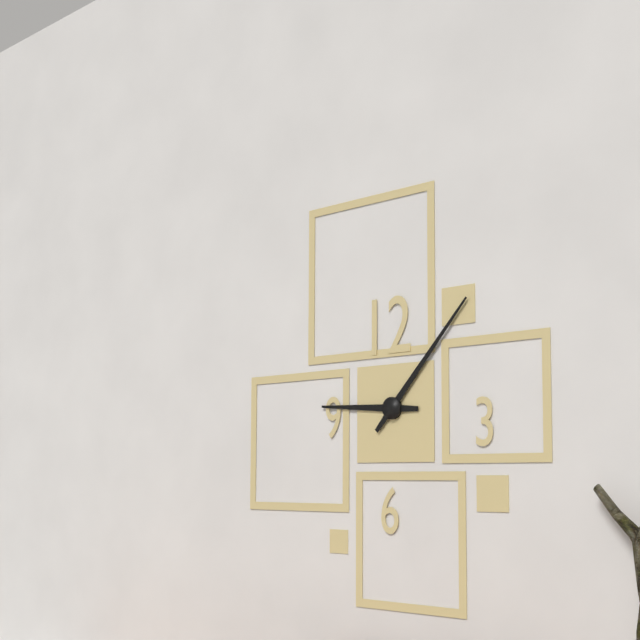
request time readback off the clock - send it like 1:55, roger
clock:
9:07
